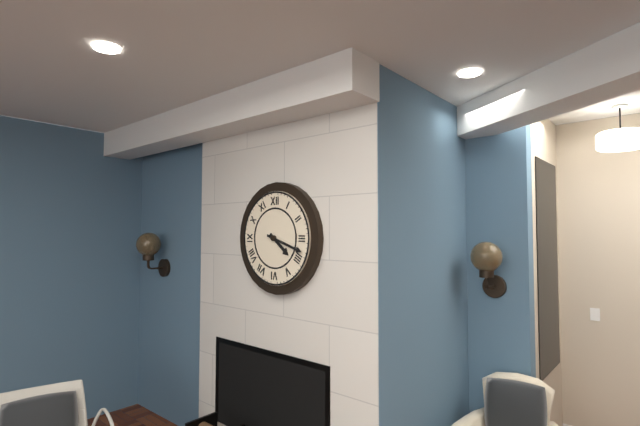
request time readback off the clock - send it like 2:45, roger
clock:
4:18
